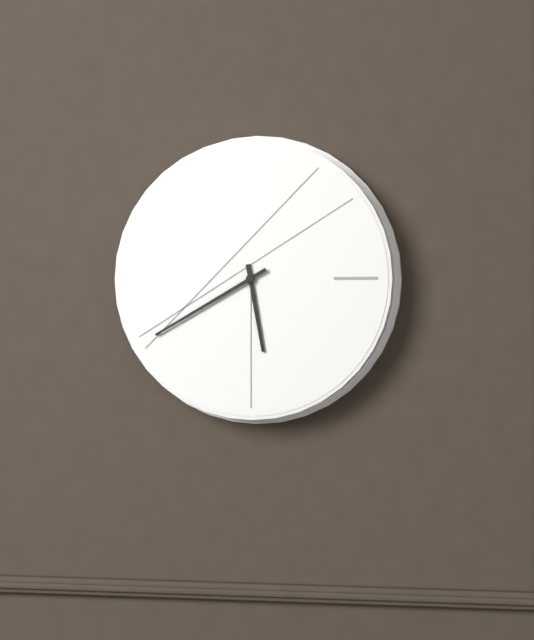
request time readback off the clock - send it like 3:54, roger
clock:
5:40
